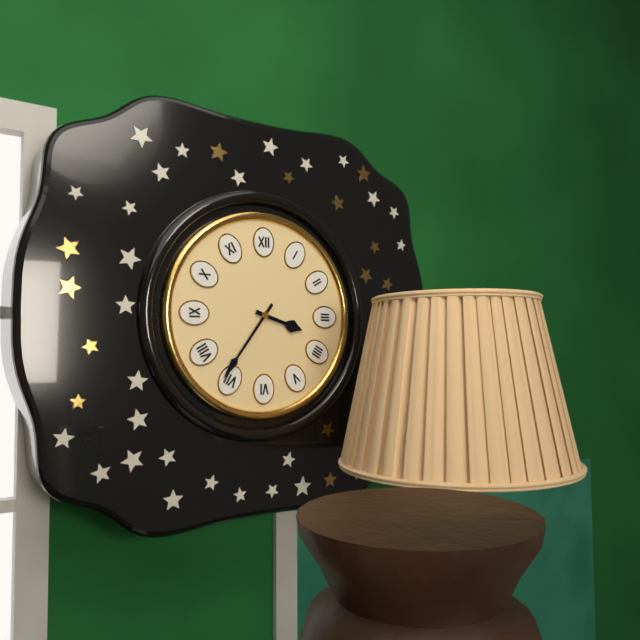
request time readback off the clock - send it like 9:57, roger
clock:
3:36
